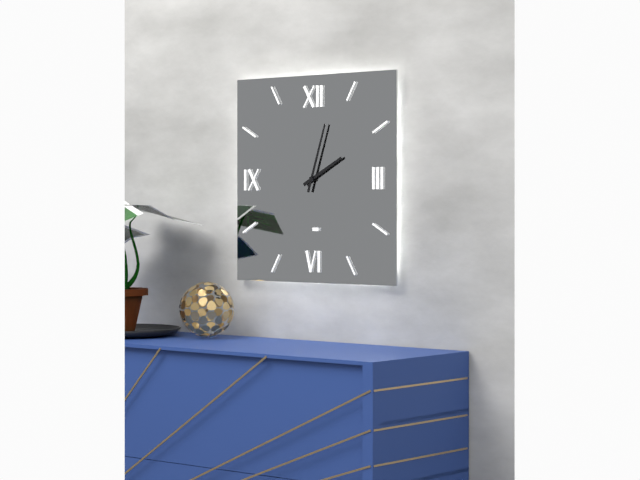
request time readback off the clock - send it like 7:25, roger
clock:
2:03
